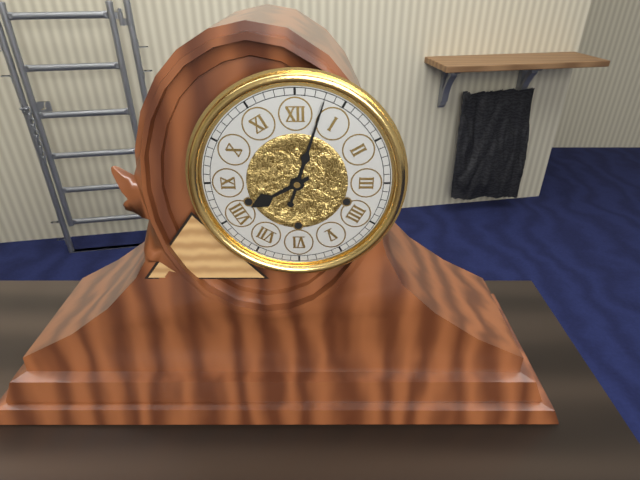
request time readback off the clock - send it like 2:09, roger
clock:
8:03
